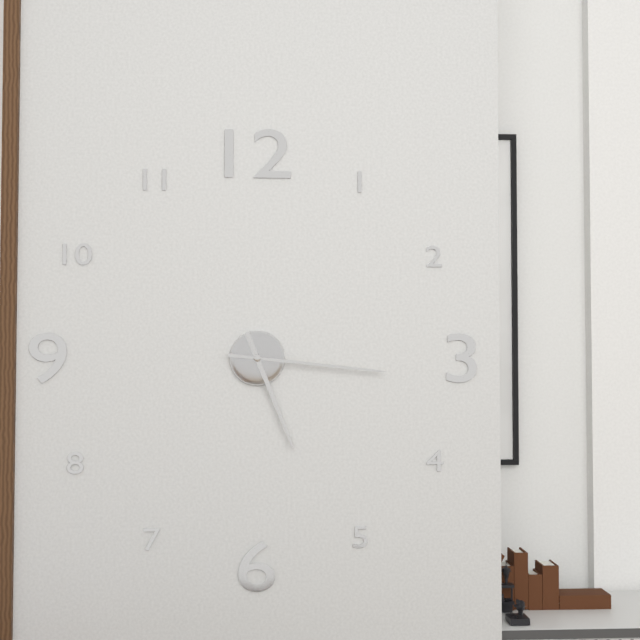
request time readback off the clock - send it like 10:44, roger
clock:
5:16
